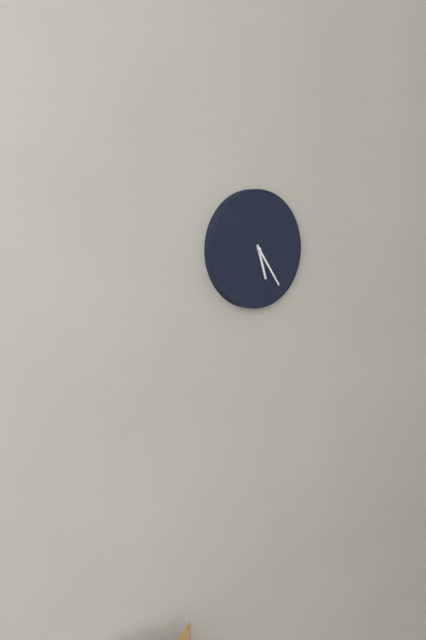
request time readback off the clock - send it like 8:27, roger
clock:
5:24
